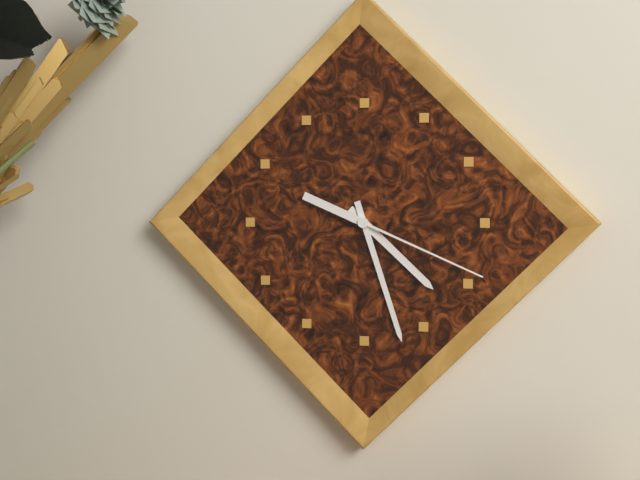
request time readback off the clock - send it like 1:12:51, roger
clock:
4:27:19
